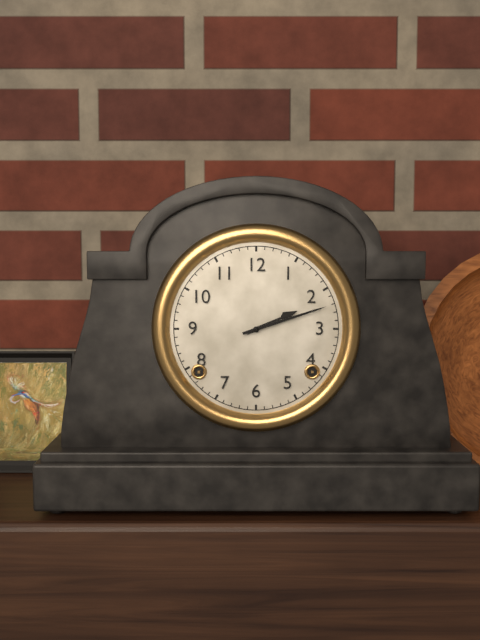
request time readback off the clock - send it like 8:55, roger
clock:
2:12
